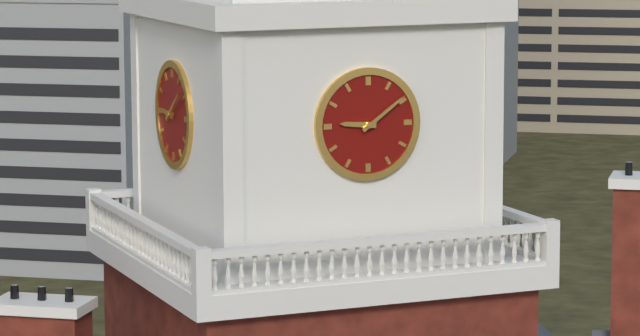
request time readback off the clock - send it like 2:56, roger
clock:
9:09
